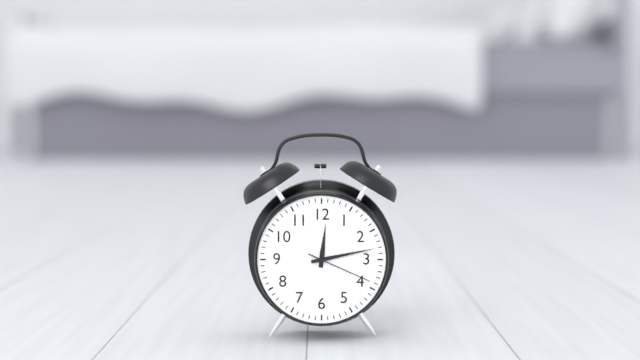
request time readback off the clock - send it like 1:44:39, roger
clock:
12:13:19
